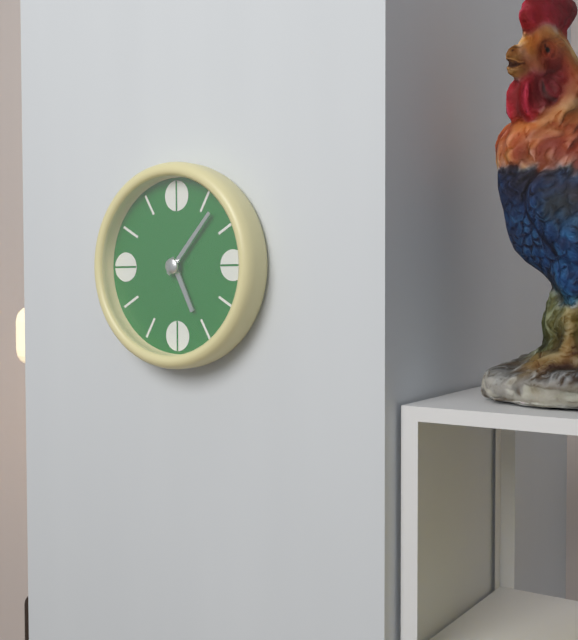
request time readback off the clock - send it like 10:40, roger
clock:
5:07
